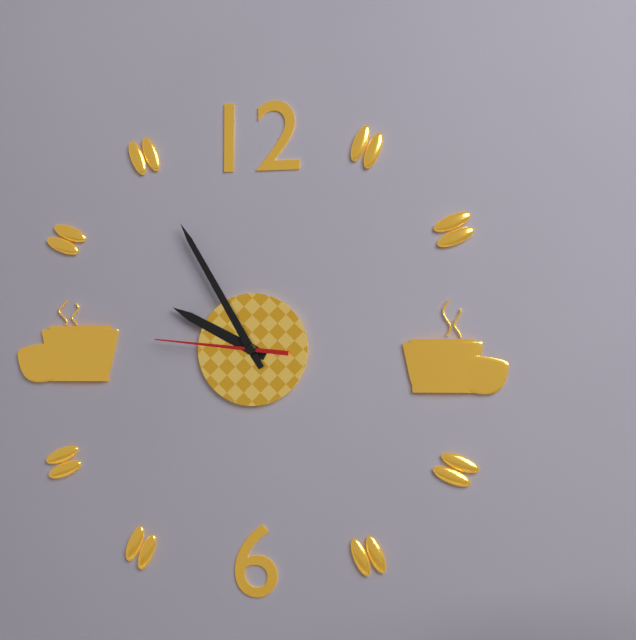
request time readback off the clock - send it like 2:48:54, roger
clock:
9:55:46
